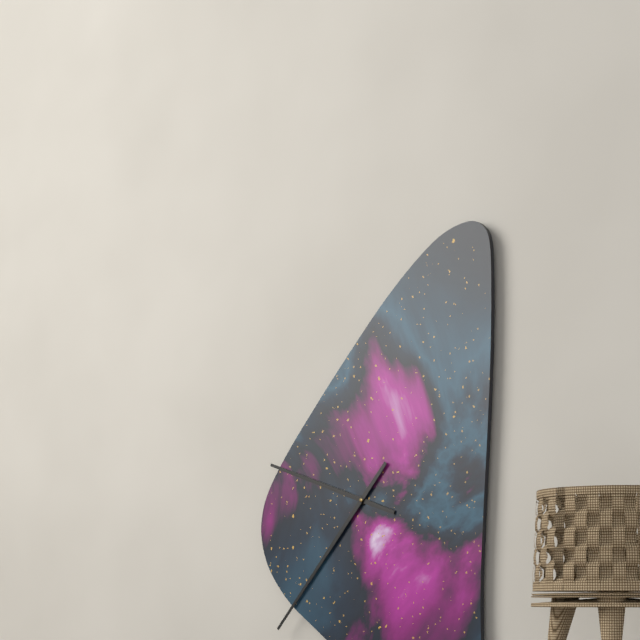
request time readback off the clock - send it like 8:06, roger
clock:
9:37
